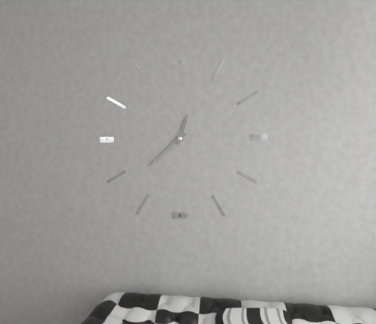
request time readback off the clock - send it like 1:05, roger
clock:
12:38
